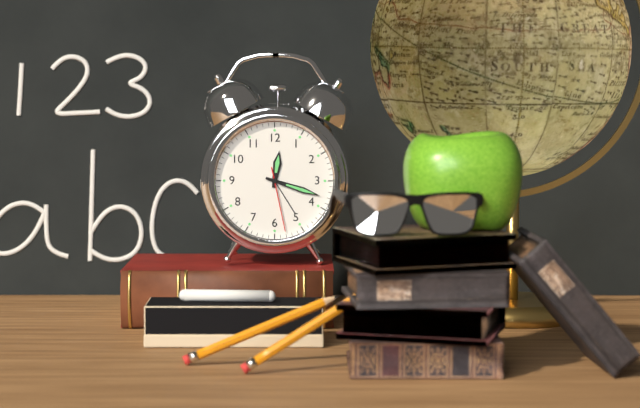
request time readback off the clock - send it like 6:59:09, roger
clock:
12:18:28
